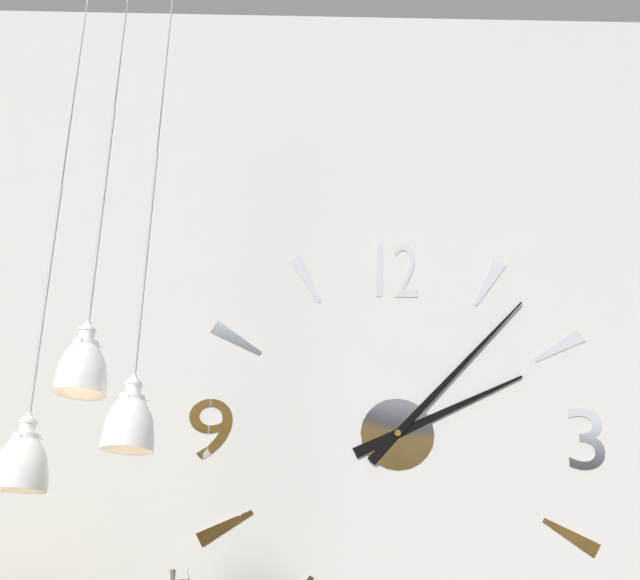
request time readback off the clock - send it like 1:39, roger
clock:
2:07
